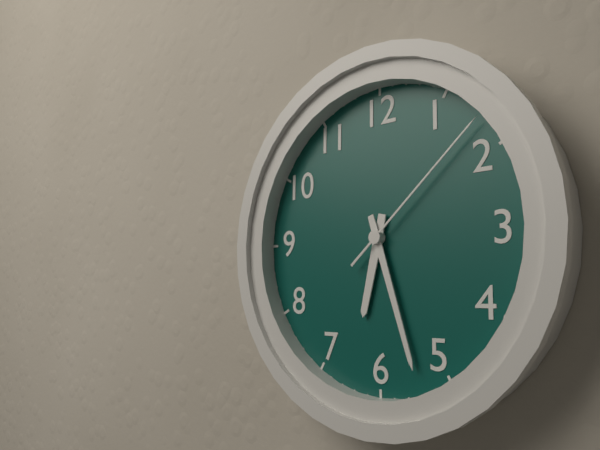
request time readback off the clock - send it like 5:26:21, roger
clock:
6:27:08
